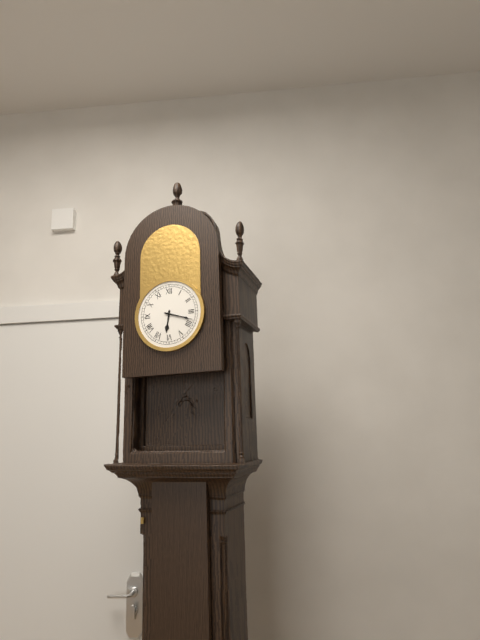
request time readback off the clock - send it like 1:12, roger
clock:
6:18
